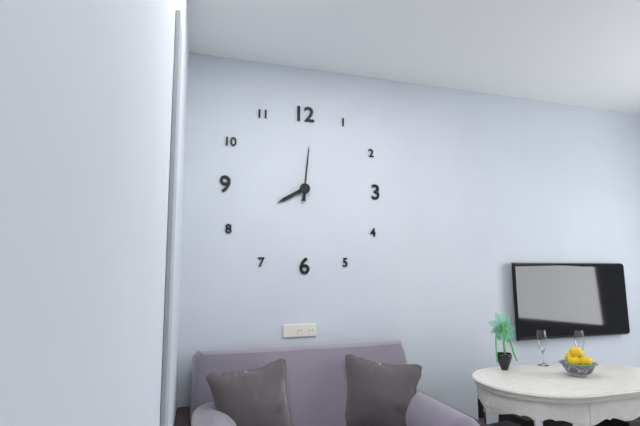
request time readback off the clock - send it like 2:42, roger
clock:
8:01
